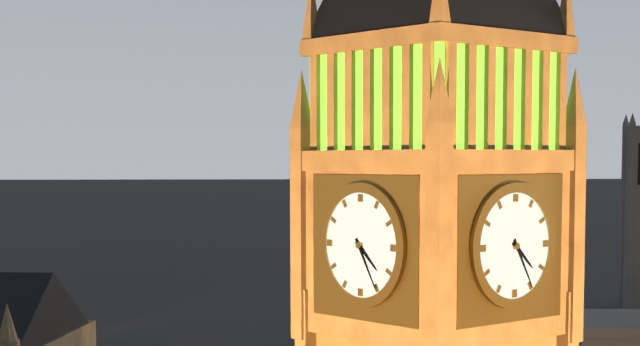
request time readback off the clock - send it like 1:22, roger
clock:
4:25
